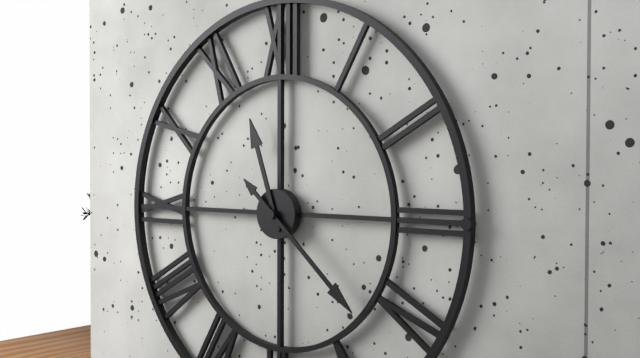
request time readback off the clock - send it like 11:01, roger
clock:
11:22
